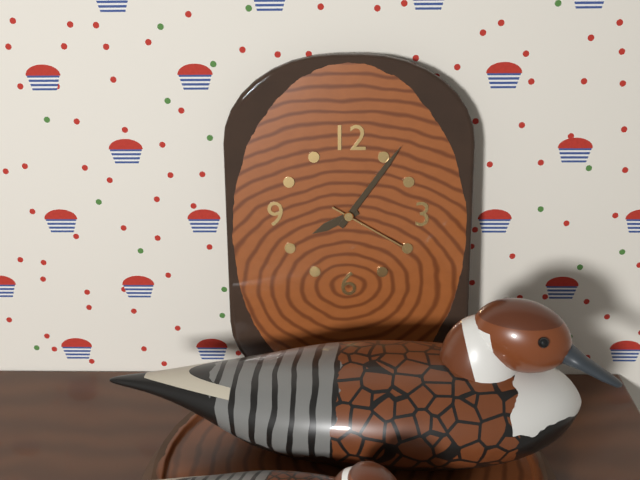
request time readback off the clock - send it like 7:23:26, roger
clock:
8:06:20
